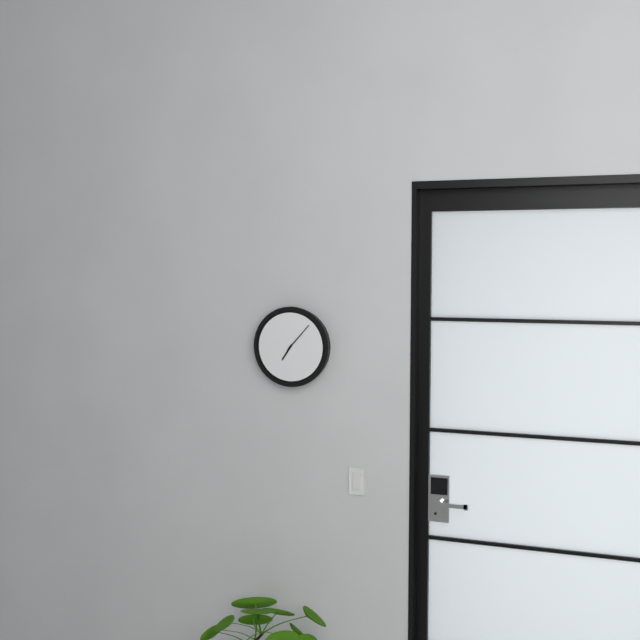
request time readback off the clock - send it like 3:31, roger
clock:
7:07
